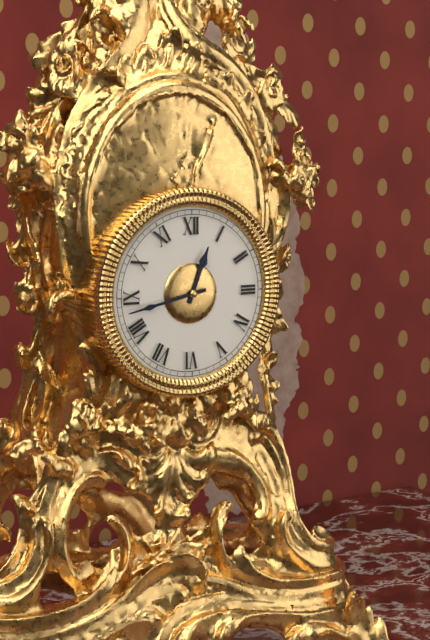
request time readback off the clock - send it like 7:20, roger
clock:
12:43
